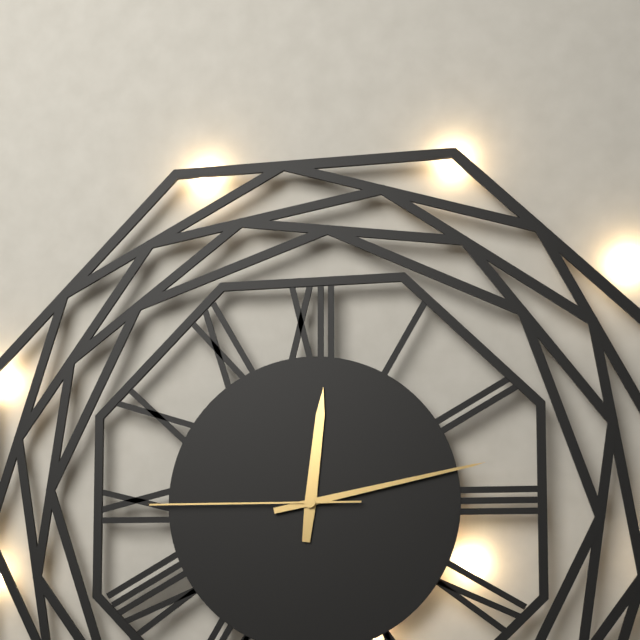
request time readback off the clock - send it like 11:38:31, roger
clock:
12:13:45
